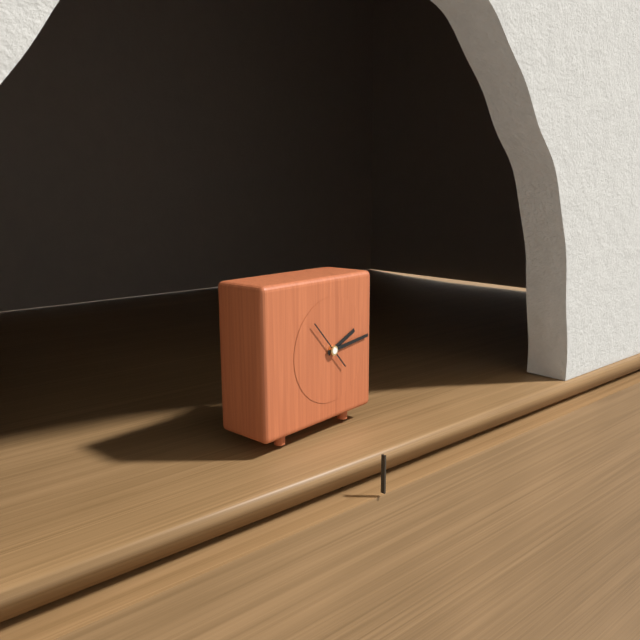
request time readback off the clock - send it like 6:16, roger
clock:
2:14
